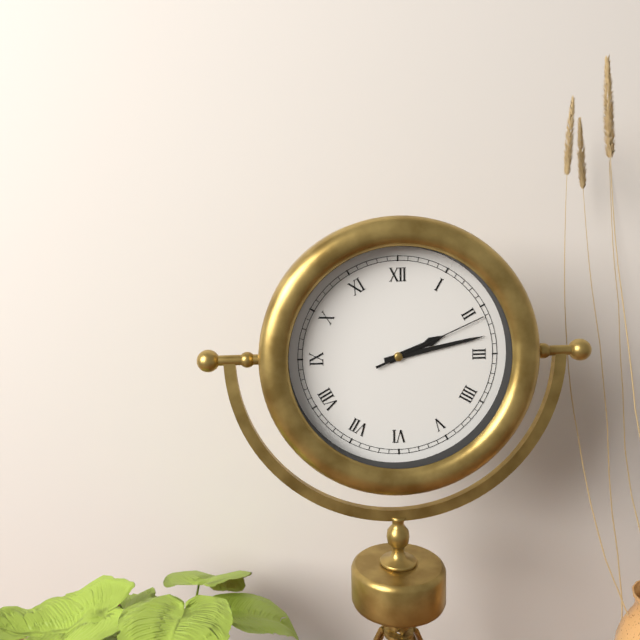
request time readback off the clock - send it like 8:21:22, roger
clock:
2:13:11
